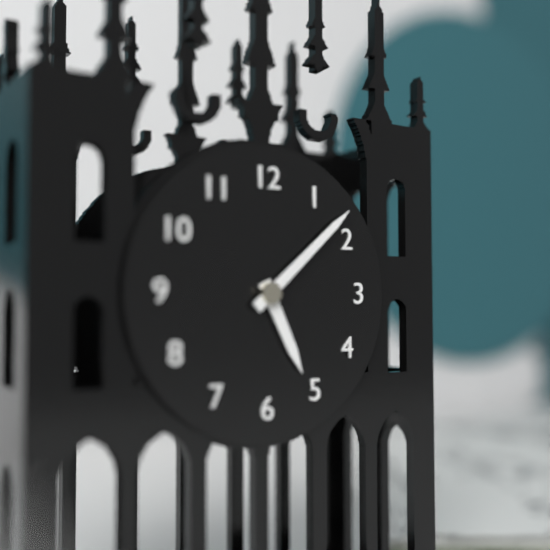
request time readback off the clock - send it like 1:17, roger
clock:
5:08
